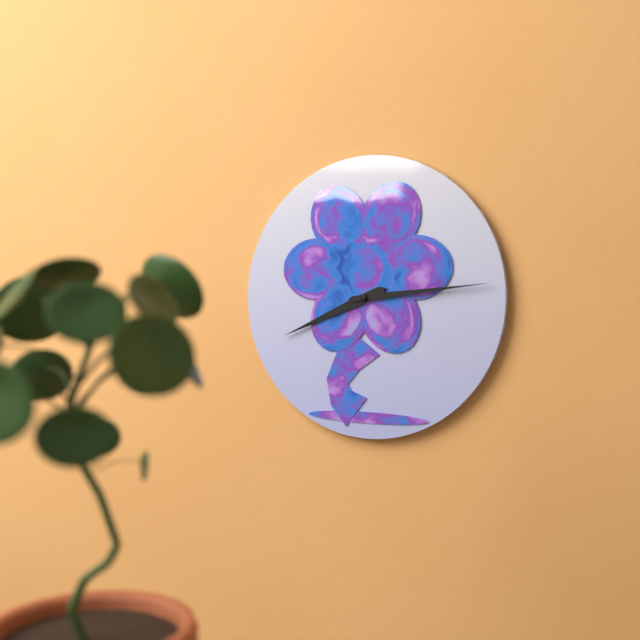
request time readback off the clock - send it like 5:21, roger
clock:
8:14
